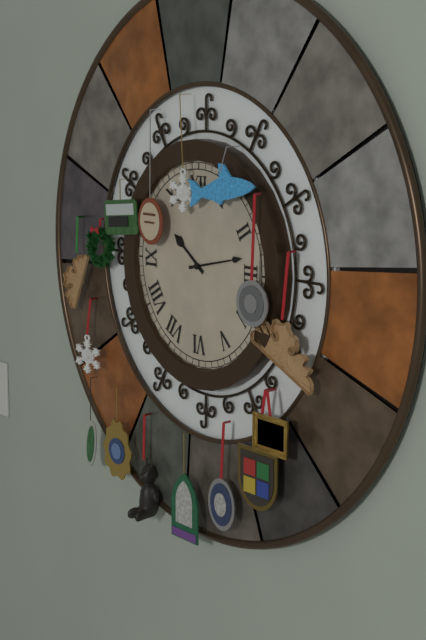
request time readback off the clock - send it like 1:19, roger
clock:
10:13
